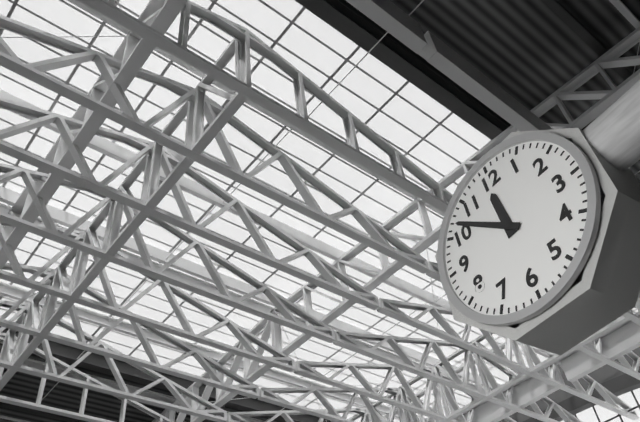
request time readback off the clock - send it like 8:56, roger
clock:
11:52
